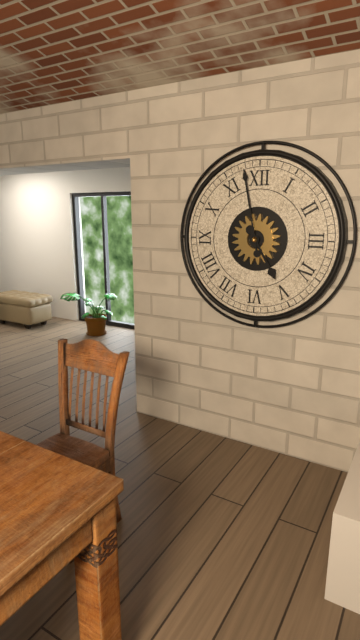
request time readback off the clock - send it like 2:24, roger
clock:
4:58
